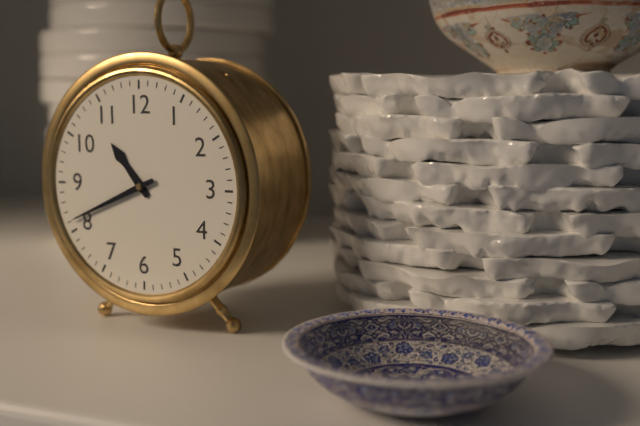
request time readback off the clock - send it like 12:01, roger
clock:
10:41
